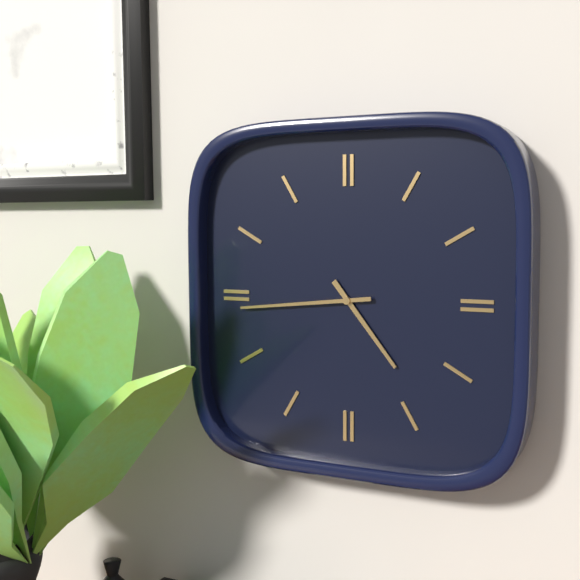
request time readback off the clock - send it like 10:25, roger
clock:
4:44
